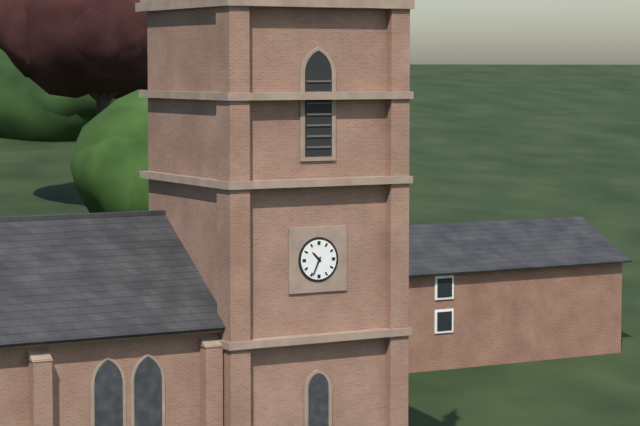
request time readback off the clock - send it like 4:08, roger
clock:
10:34
